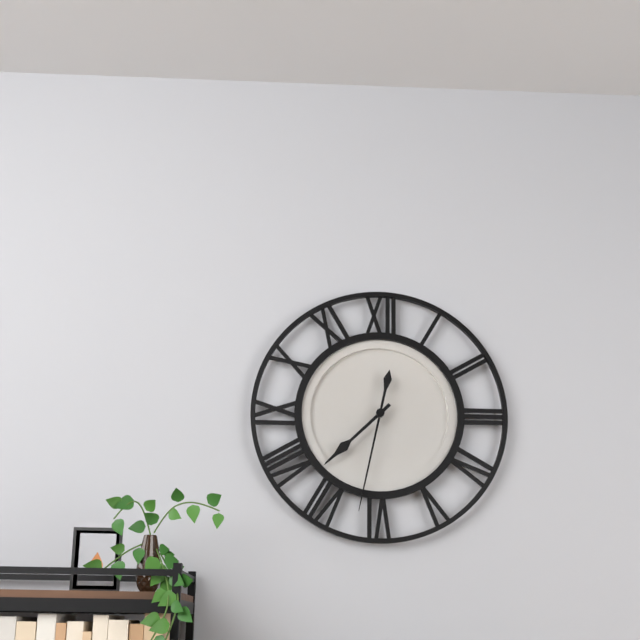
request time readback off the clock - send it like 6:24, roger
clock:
7:32
